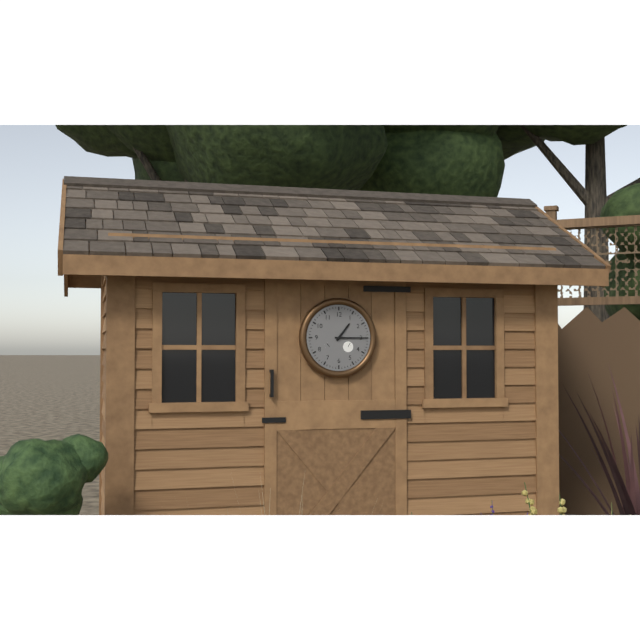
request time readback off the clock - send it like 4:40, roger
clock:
1:15
